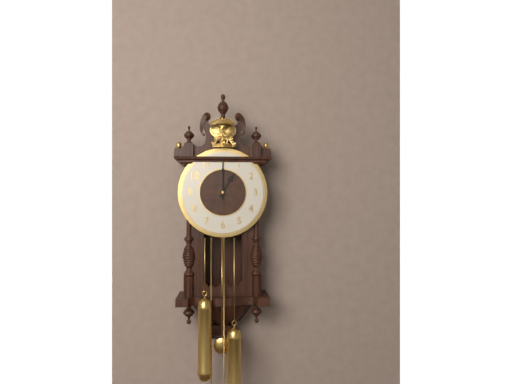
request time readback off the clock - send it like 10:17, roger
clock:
1:00
